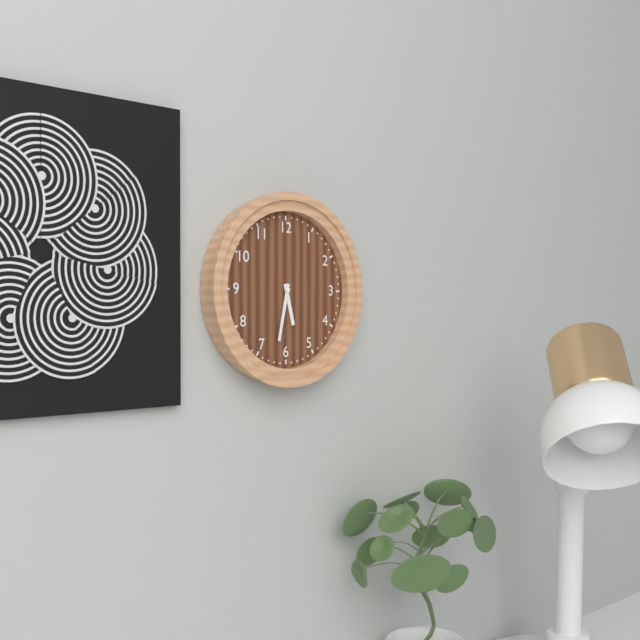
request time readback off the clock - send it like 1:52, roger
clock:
5:32
